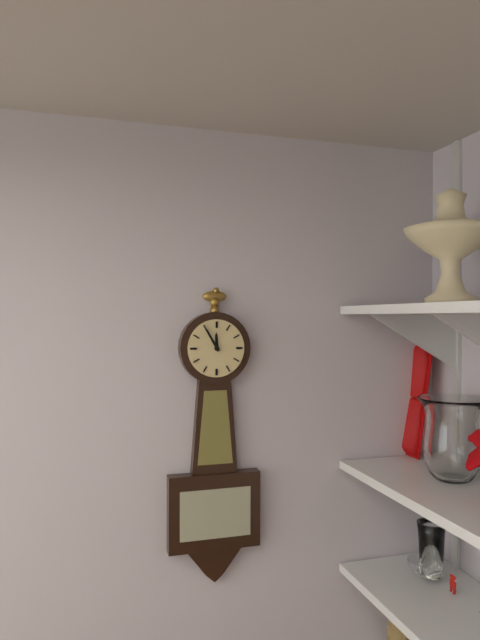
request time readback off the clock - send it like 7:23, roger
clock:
11:55
